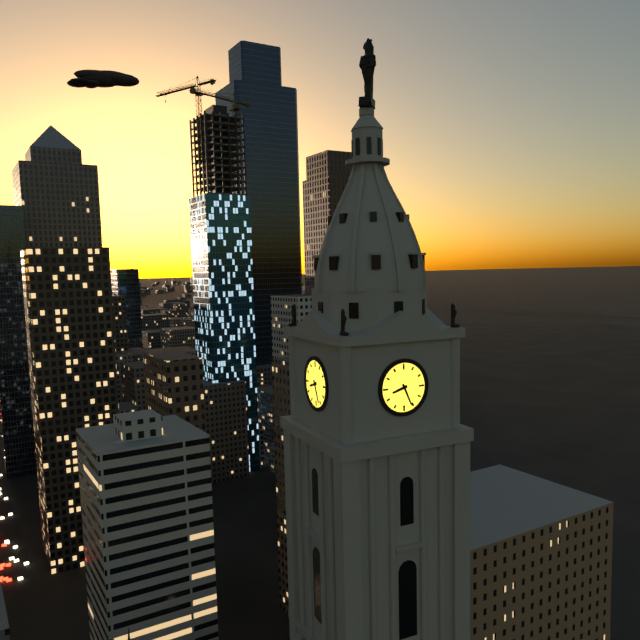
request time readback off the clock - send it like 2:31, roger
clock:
8:26
